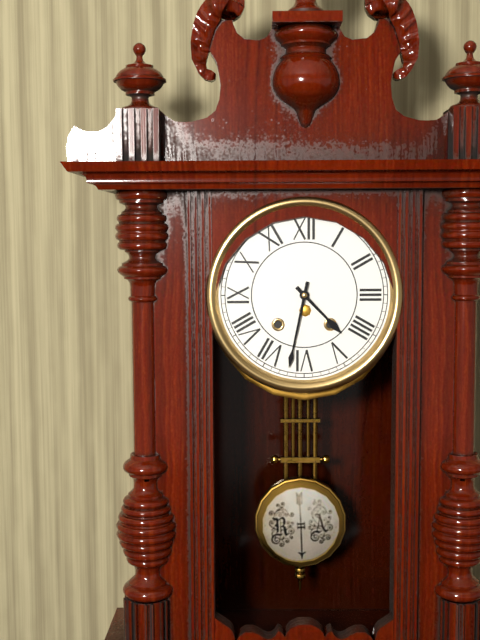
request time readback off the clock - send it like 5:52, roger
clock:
4:32
